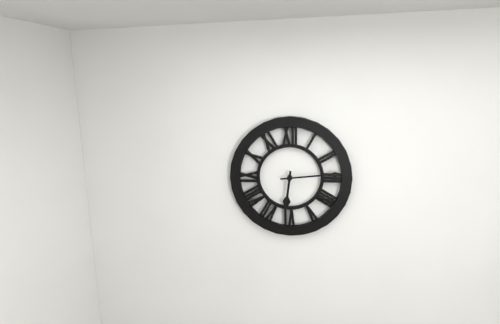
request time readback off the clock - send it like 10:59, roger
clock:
6:14
